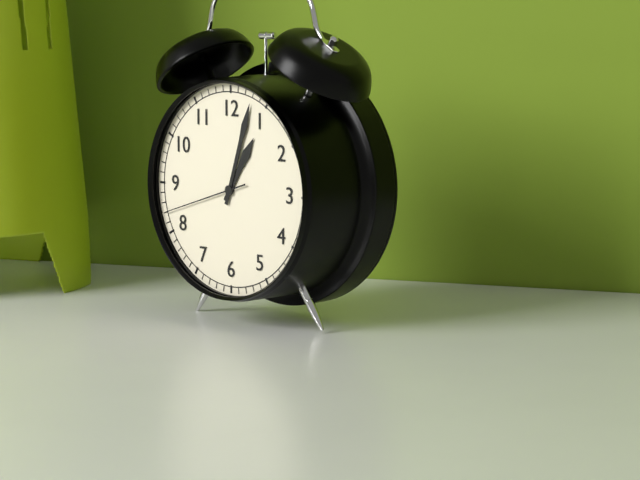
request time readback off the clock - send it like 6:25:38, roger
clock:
1:03:42
